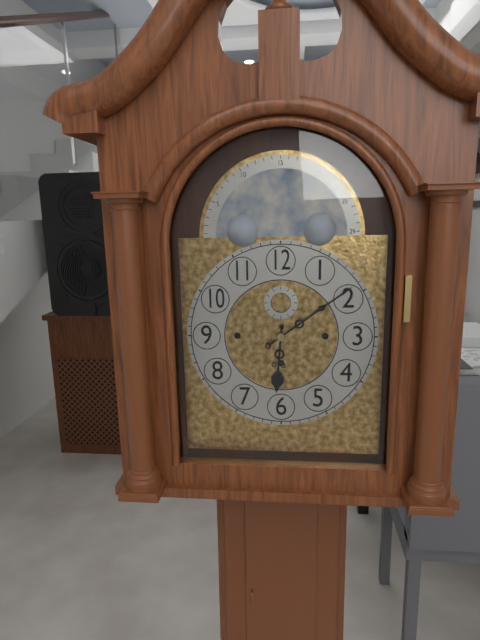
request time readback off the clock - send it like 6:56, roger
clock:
6:09
